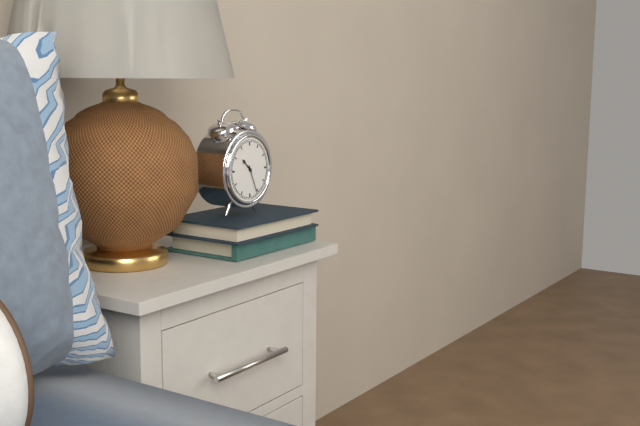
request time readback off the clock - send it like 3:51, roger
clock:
10:26
